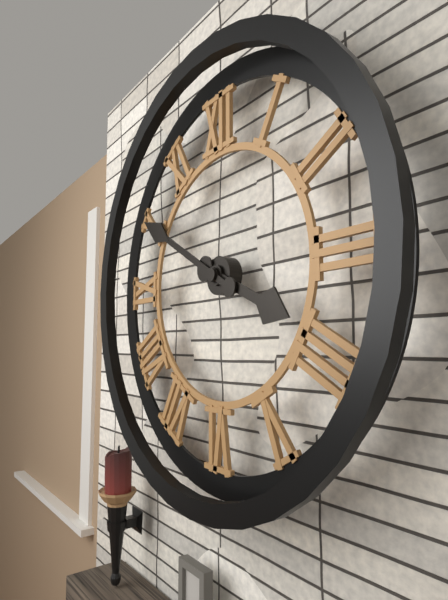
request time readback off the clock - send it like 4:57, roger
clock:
3:50
